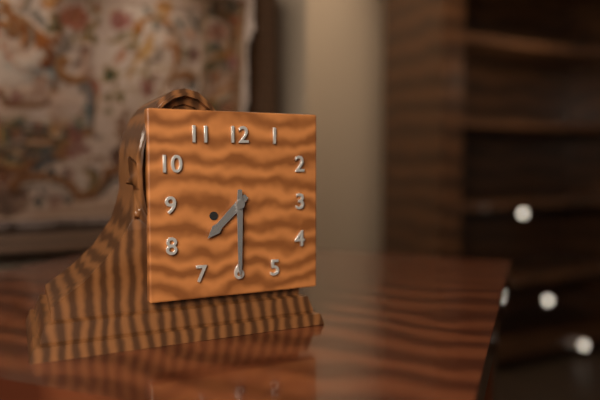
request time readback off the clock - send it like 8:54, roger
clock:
7:30
